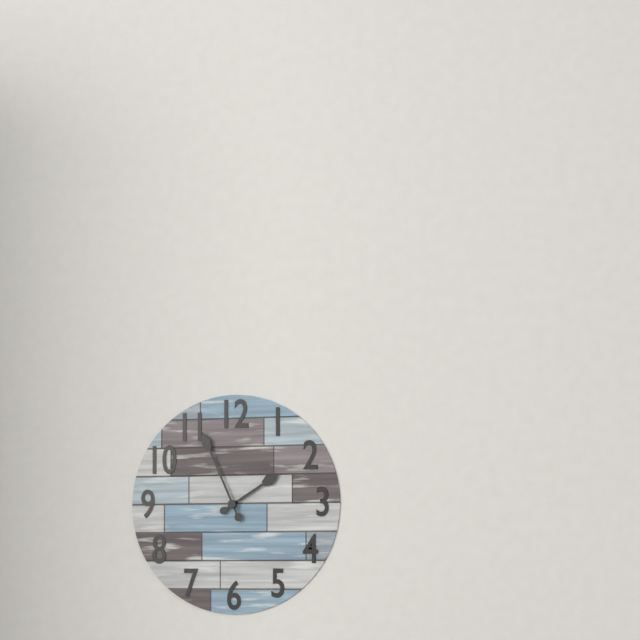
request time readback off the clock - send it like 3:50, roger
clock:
1:56
